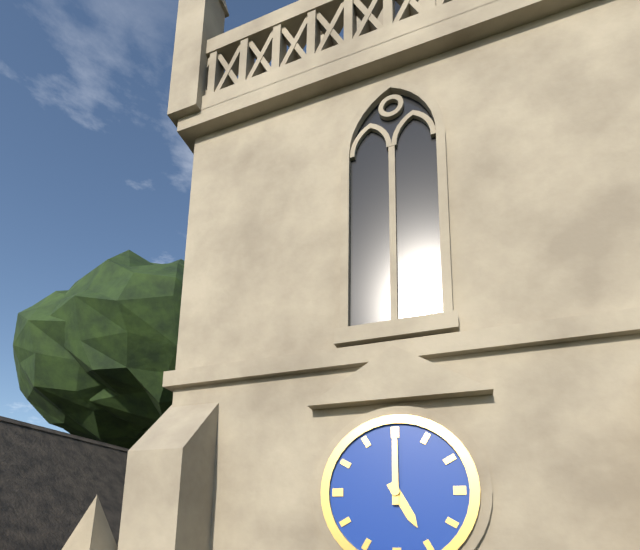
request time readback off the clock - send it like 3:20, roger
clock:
5:00
